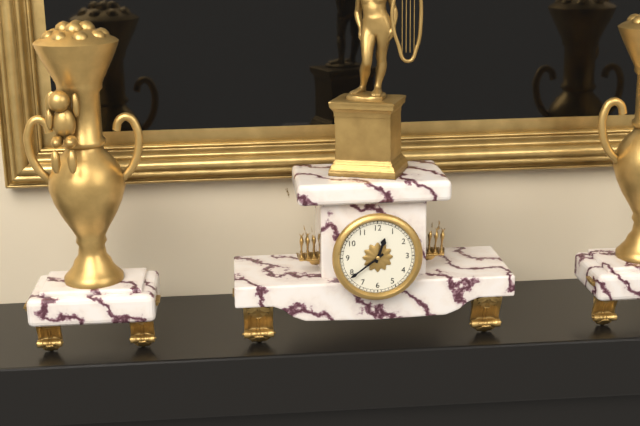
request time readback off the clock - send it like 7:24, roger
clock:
12:39
